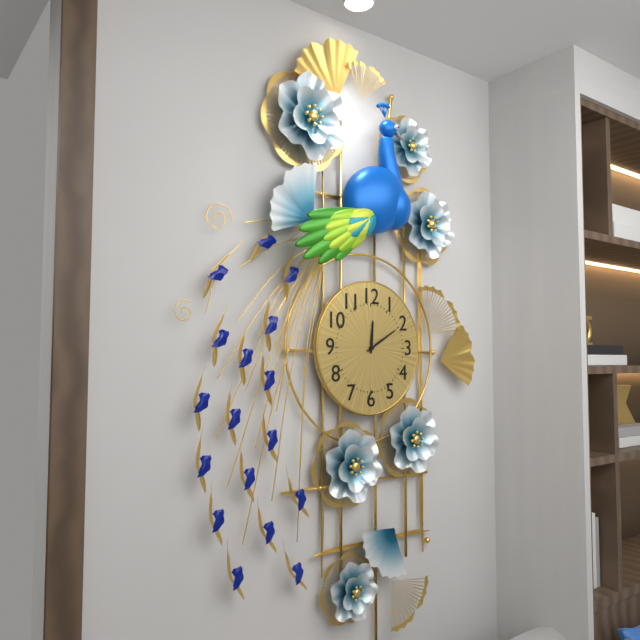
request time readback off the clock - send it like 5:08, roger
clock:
12:10
